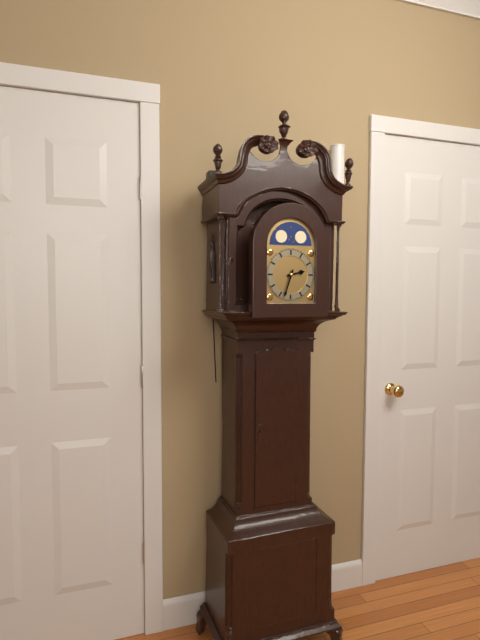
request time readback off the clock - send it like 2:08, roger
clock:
2:33
